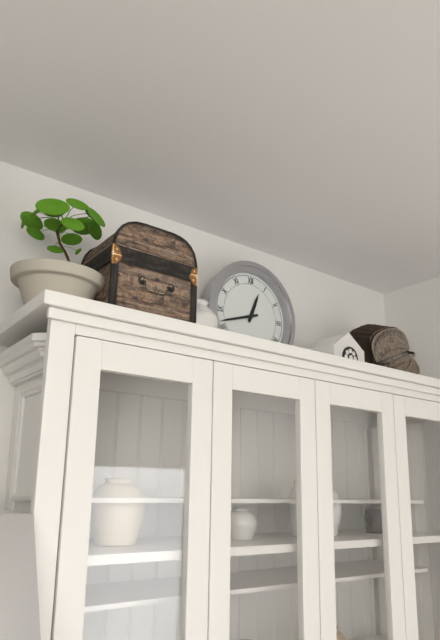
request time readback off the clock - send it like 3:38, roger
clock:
12:42
